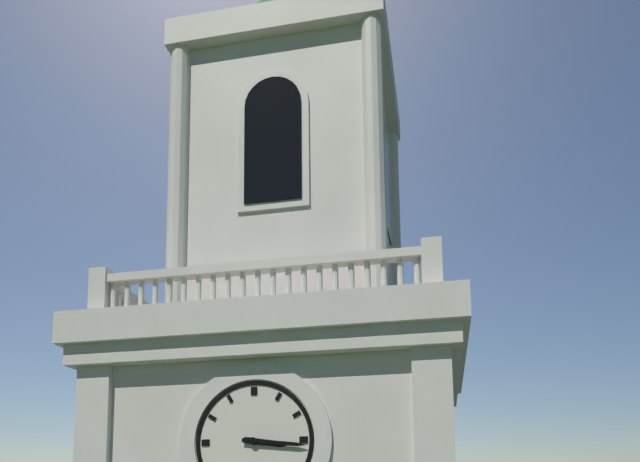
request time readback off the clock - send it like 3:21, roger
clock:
3:16
